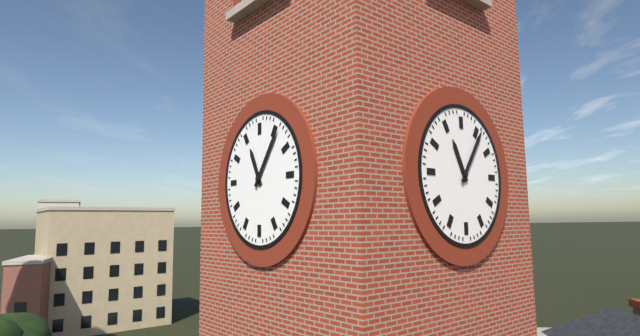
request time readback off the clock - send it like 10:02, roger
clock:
11:06
